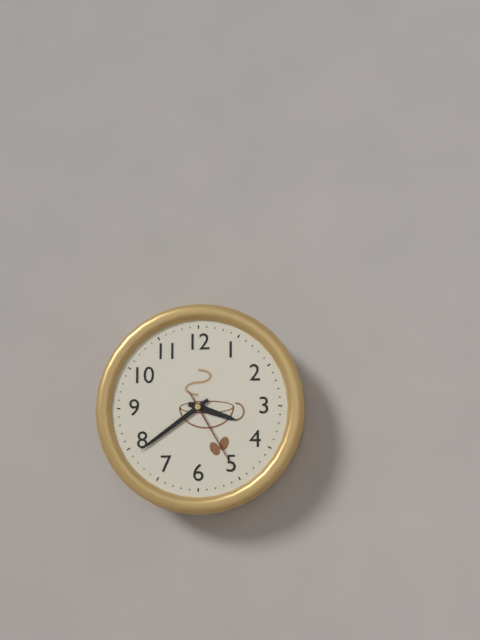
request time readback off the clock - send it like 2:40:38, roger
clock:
3:39:25
